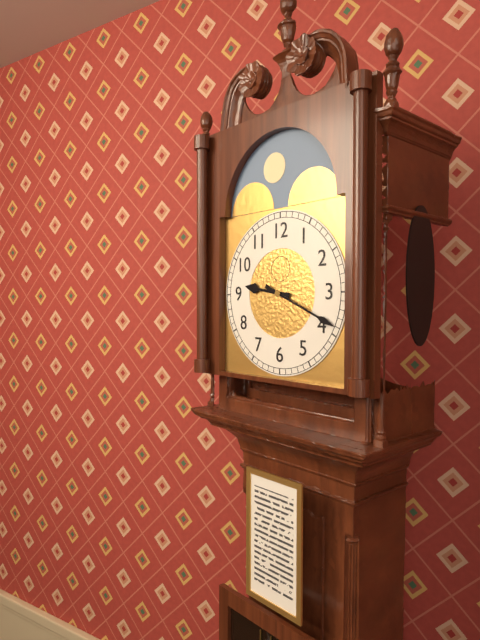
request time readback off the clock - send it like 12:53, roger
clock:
9:19
